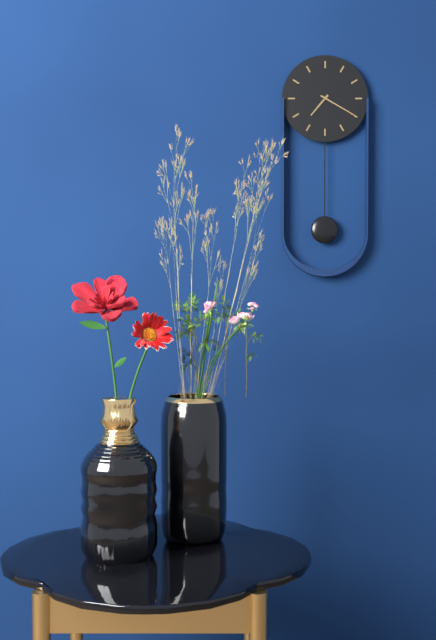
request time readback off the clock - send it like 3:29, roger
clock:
7:20
